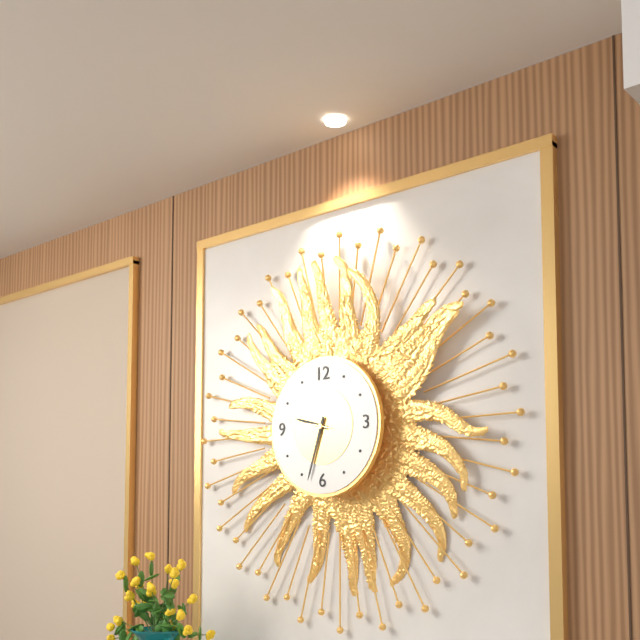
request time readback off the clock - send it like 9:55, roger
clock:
9:33
